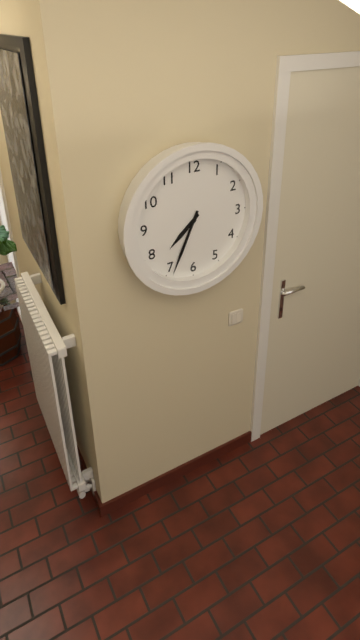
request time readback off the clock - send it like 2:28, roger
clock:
7:34
